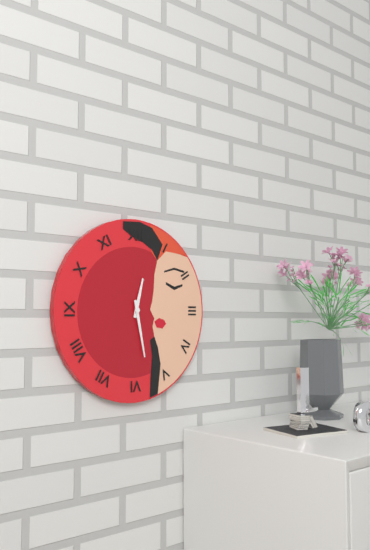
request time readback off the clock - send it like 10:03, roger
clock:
12:28
